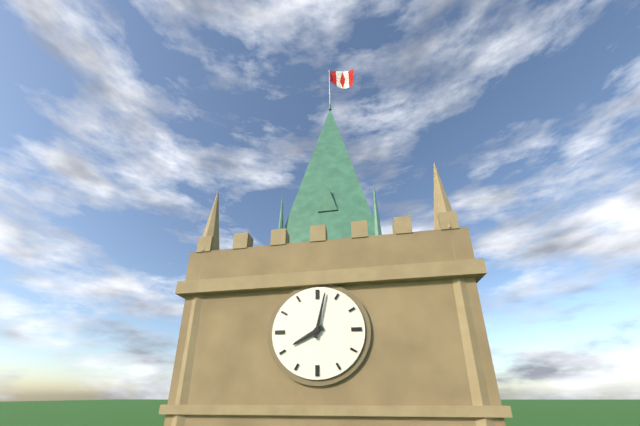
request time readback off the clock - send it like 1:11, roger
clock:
8:02
